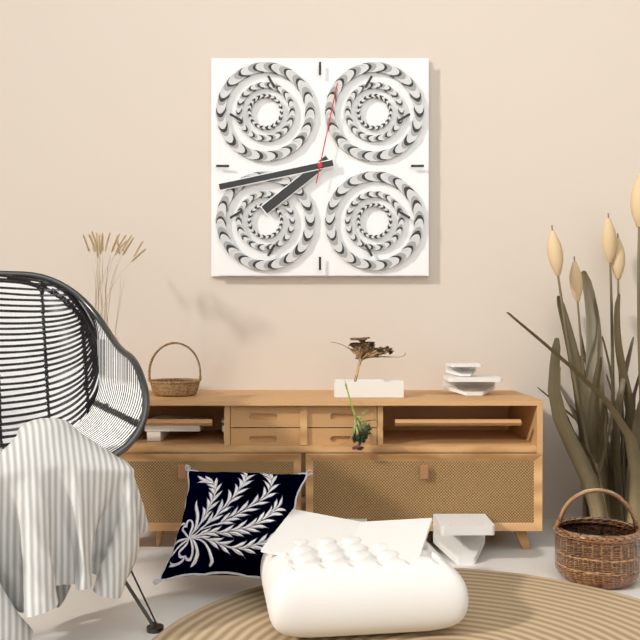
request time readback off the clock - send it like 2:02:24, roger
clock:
7:43:02
